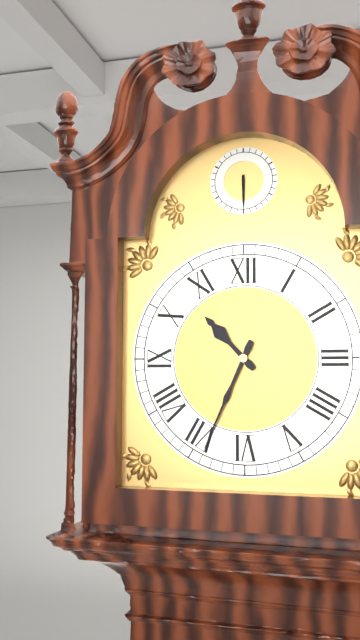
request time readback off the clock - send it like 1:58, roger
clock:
10:34
